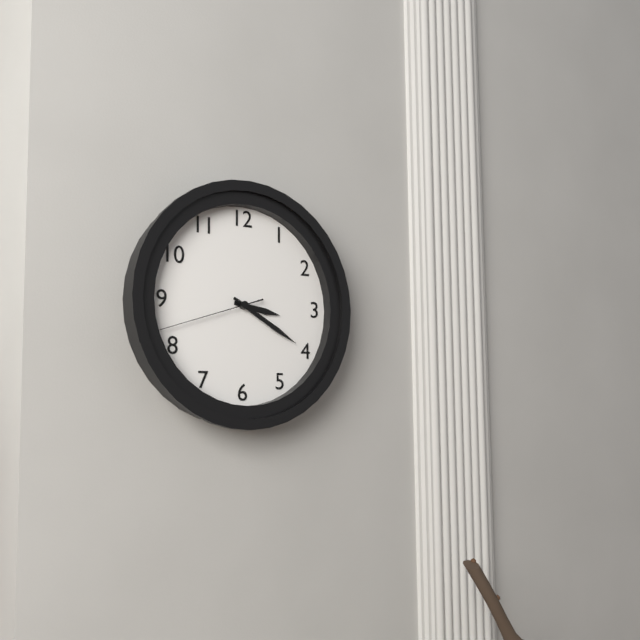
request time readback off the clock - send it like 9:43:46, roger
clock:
3:20:42
